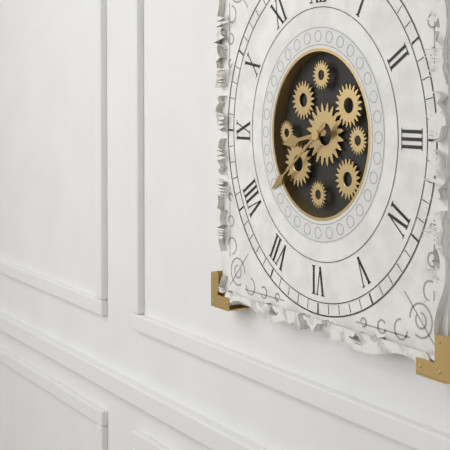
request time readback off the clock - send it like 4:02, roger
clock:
8:39
